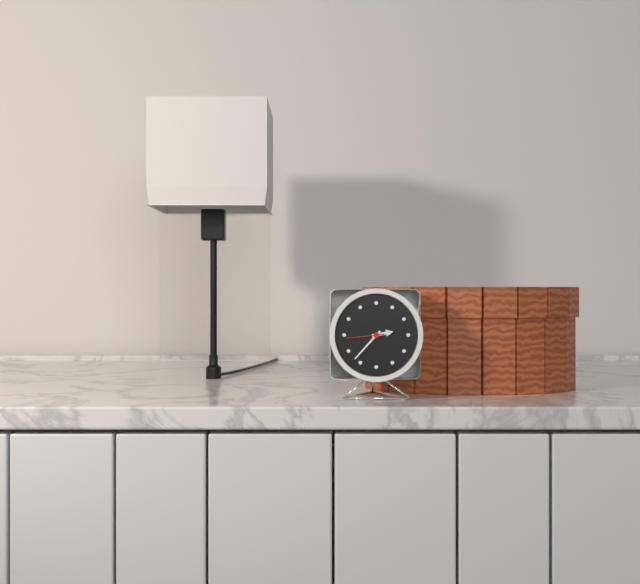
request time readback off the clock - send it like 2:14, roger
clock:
2:37
